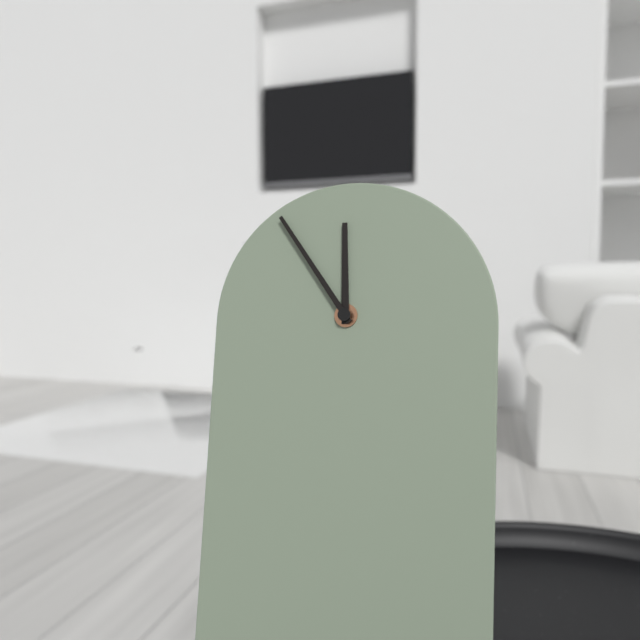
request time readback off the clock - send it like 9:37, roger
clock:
11:54
